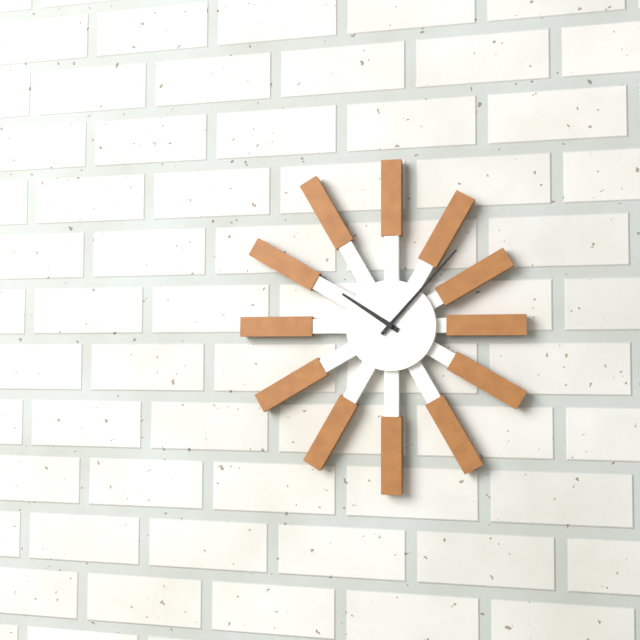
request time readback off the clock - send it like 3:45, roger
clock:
10:07
